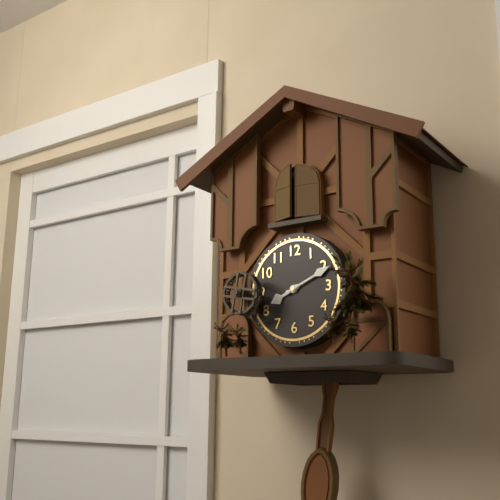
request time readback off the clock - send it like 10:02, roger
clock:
8:11
